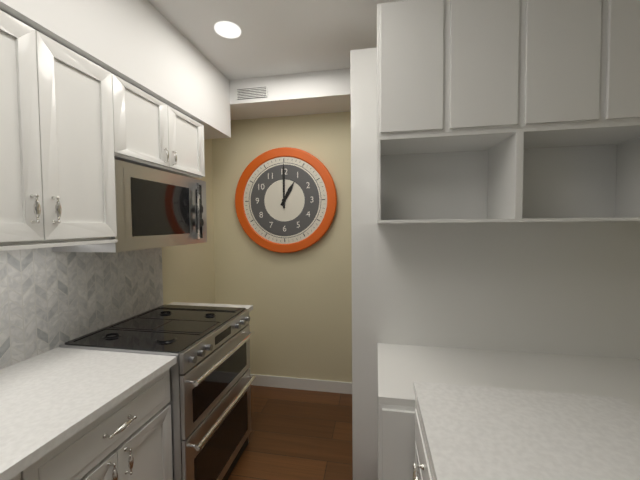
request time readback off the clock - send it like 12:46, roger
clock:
1:00
